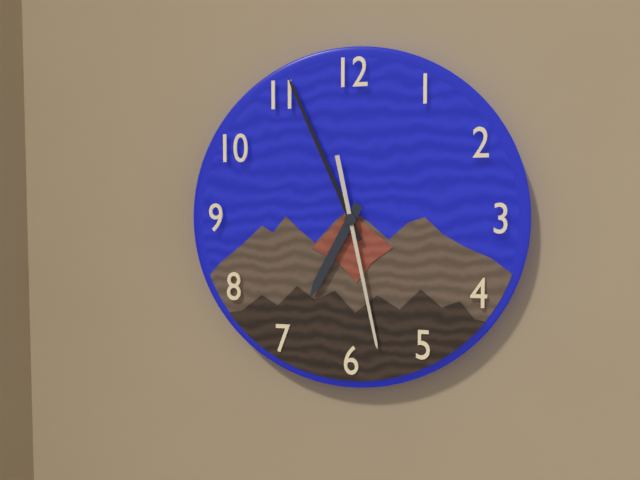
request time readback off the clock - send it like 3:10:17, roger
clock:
6:56:28
